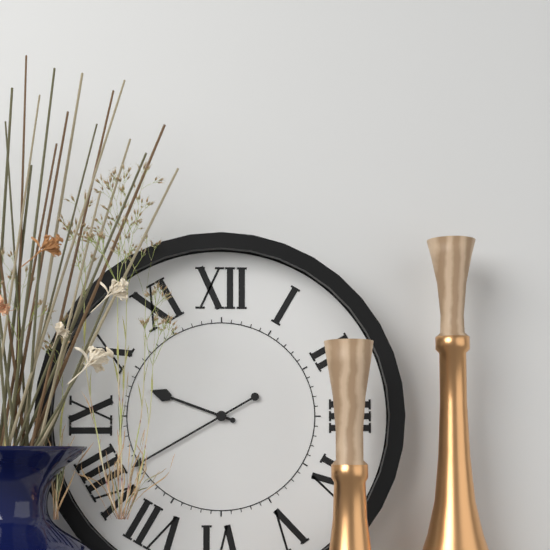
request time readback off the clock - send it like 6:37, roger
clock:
9:40
